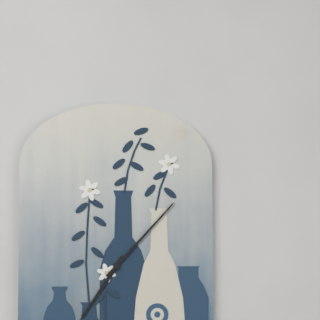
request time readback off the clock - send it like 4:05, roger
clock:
7:07
